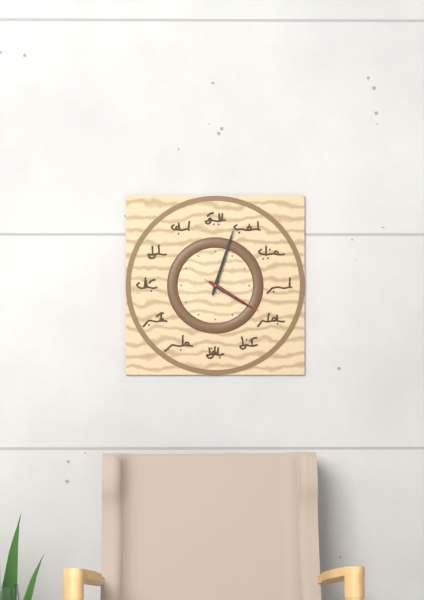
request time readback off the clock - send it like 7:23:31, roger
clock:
4:03:20
